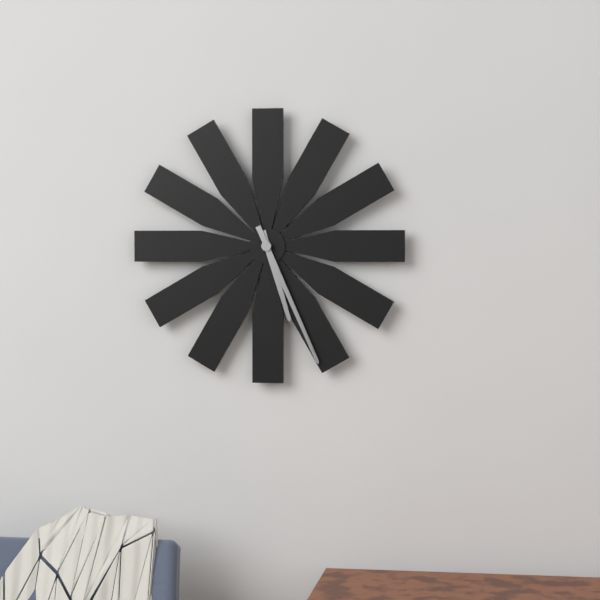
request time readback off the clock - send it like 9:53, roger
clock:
5:26
